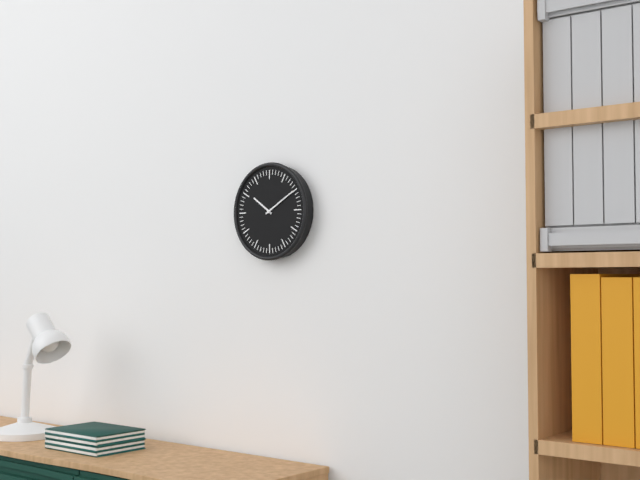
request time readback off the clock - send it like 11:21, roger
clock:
10:10
